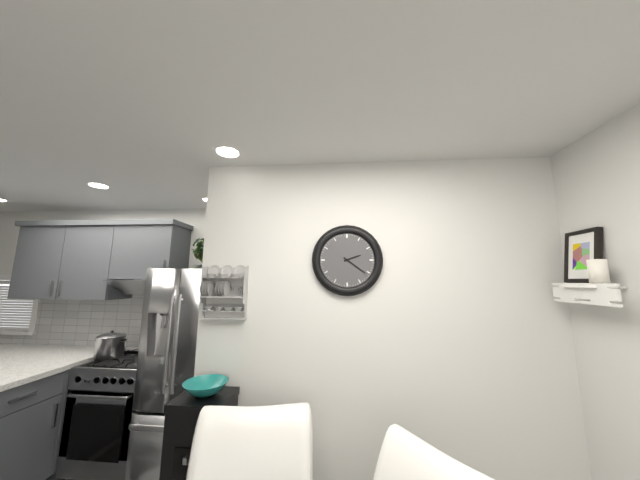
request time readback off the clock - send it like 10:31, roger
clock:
2:21
